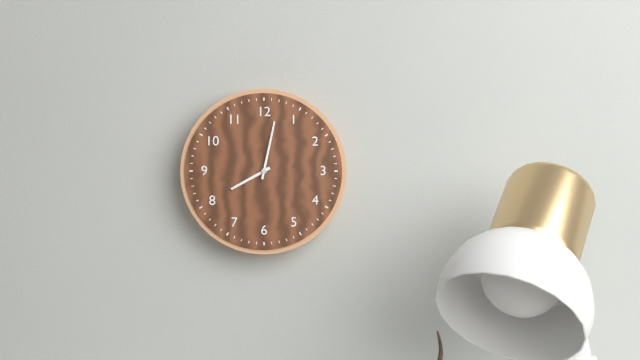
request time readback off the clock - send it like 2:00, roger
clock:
8:02
